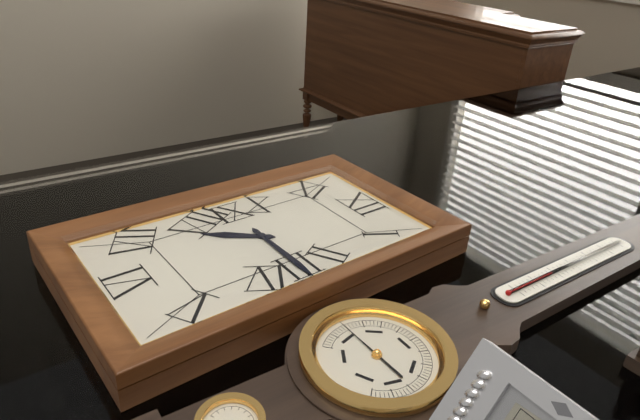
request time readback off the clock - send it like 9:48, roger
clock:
7:15
